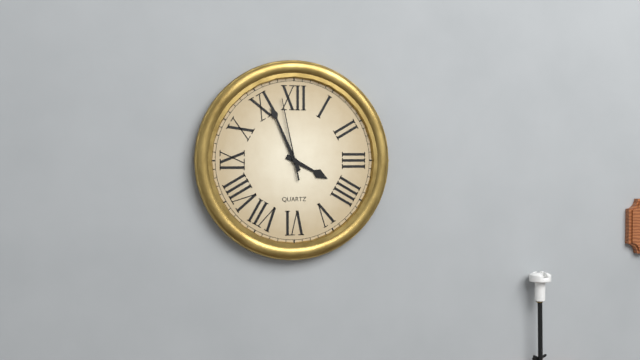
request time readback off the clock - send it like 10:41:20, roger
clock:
3:56:58
